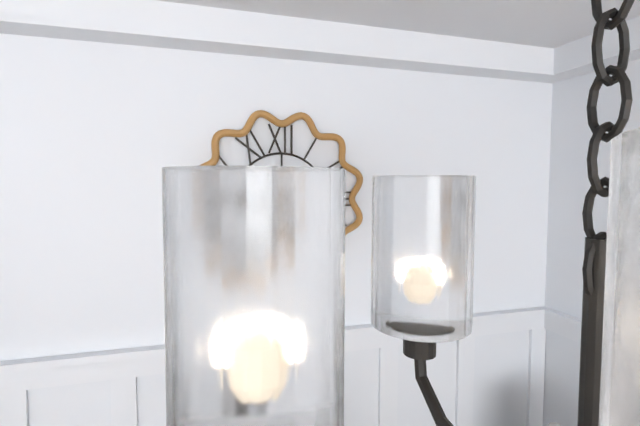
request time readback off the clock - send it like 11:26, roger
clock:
8:41
